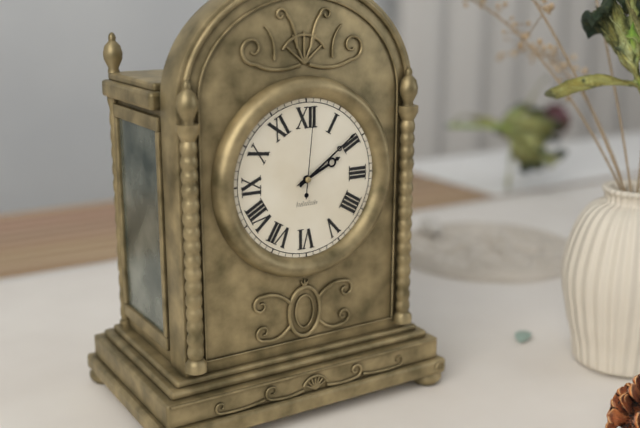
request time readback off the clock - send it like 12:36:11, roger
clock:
2:09:01
